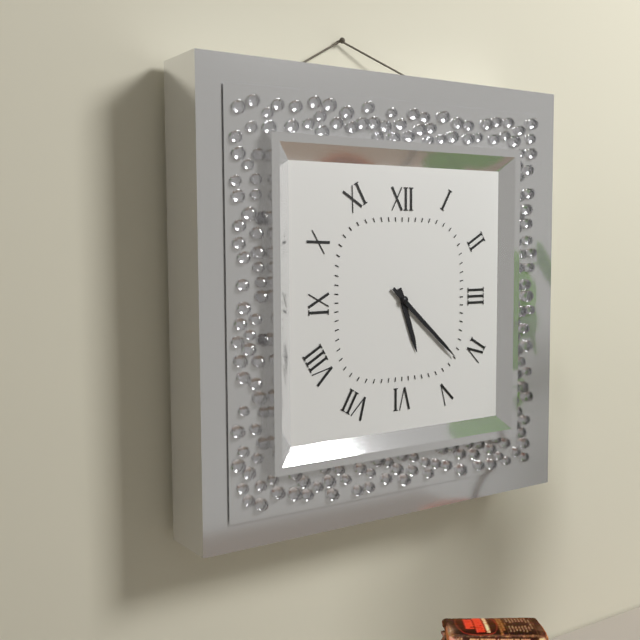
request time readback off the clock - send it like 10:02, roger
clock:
5:22
